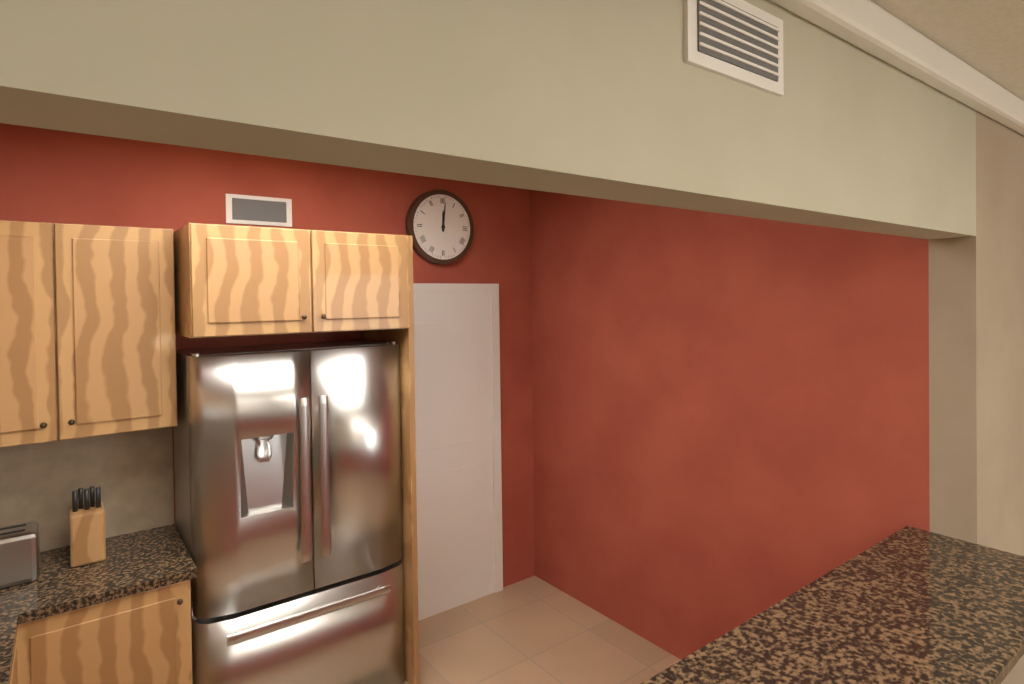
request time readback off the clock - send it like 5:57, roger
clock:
12:01
